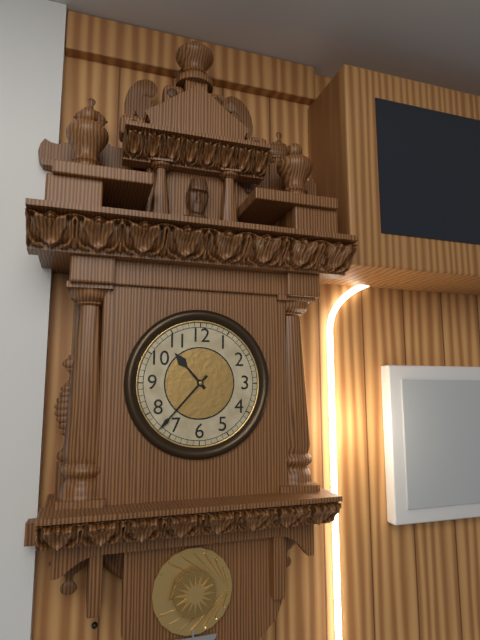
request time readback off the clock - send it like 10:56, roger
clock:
10:37
